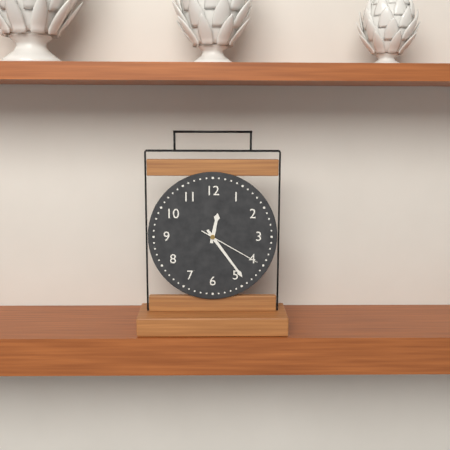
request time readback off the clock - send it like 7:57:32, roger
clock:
12:24:20
